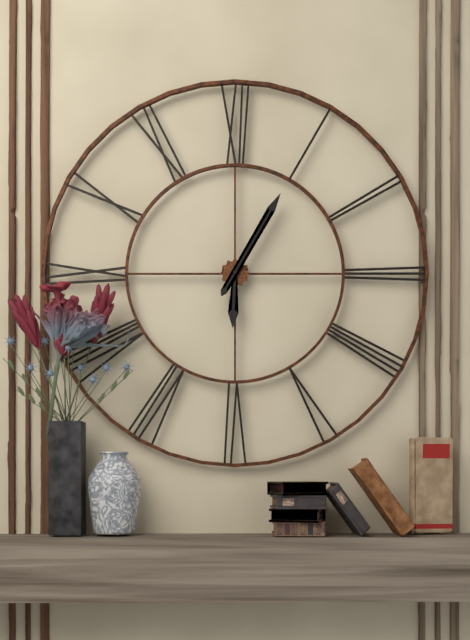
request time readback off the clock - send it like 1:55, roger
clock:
6:05
